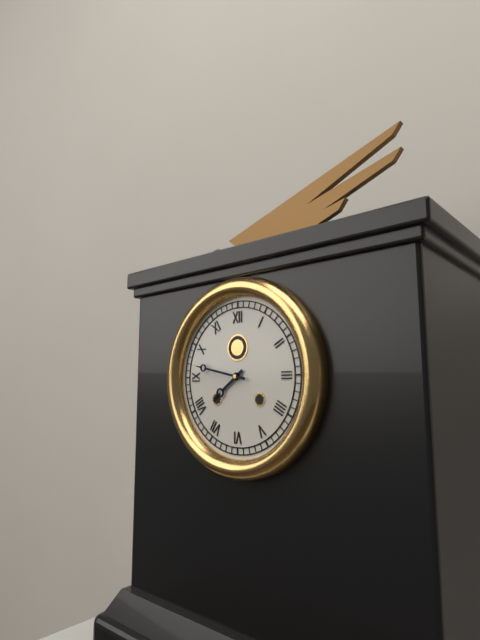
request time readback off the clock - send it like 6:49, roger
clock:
7:47
